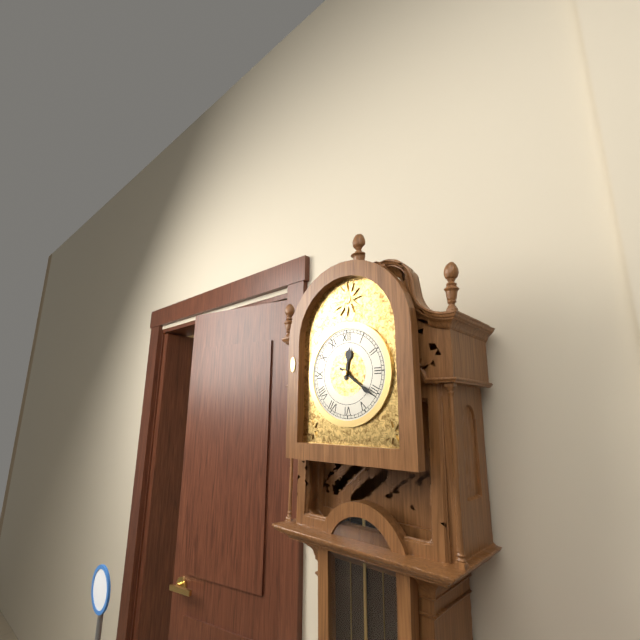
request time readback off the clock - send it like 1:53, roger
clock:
12:21
